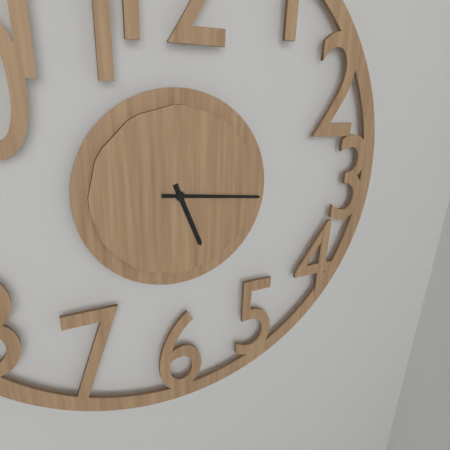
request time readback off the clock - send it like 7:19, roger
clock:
5:16
